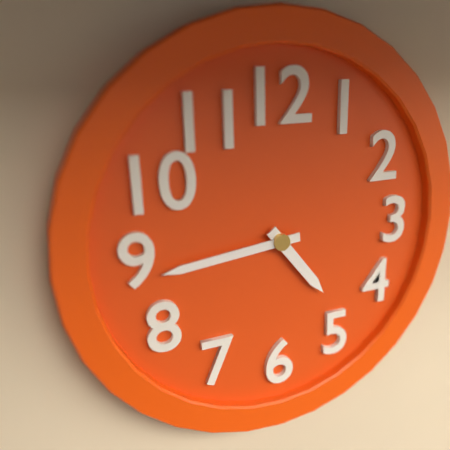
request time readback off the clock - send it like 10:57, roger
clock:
4:44
